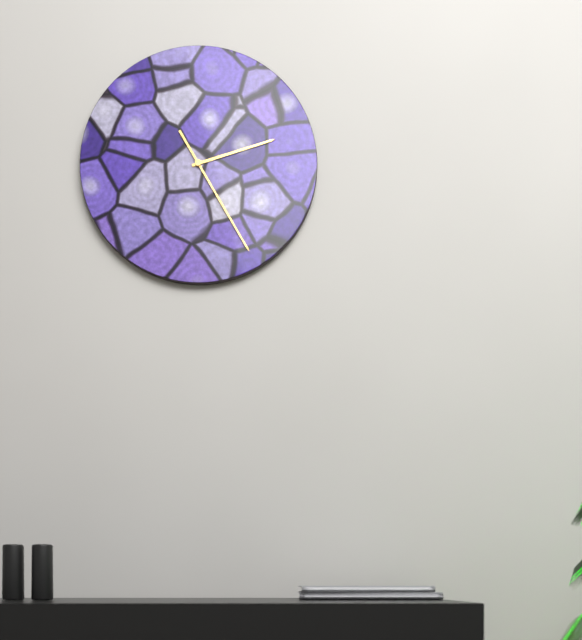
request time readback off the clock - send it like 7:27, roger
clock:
2:25
